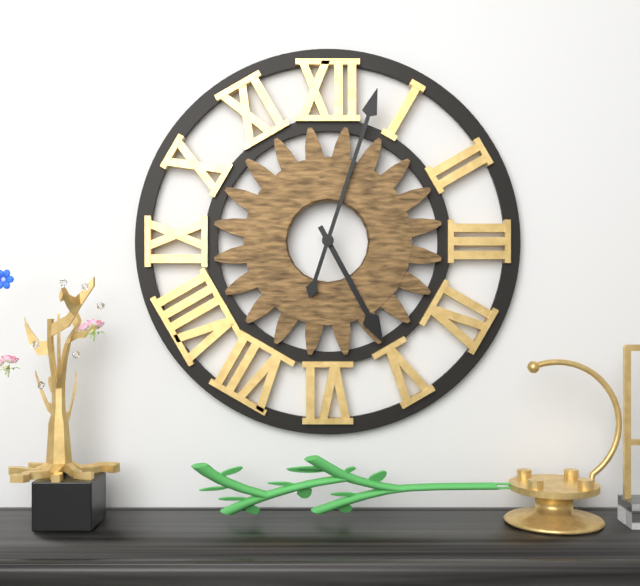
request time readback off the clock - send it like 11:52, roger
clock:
5:03
